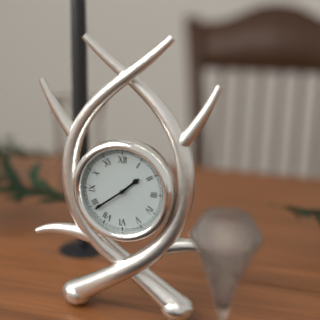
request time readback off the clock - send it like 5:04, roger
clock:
1:39
